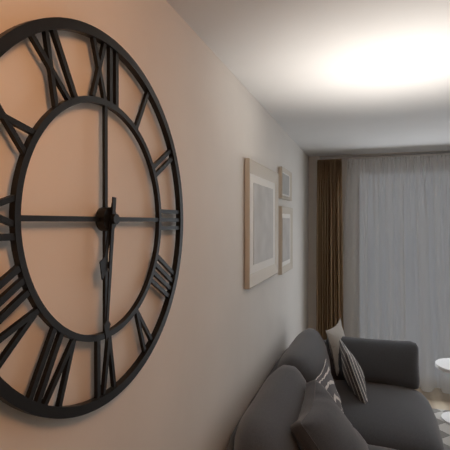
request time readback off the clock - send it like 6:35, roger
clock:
6:31
